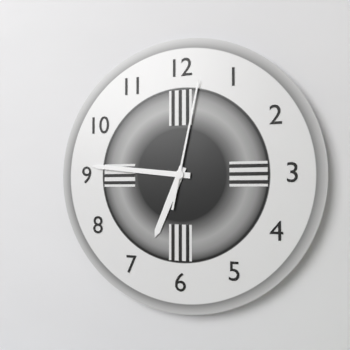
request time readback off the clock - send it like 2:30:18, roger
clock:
6:46:02
